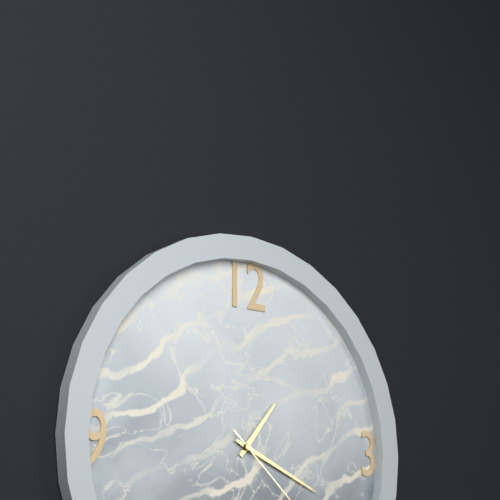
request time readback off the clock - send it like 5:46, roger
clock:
1:19
